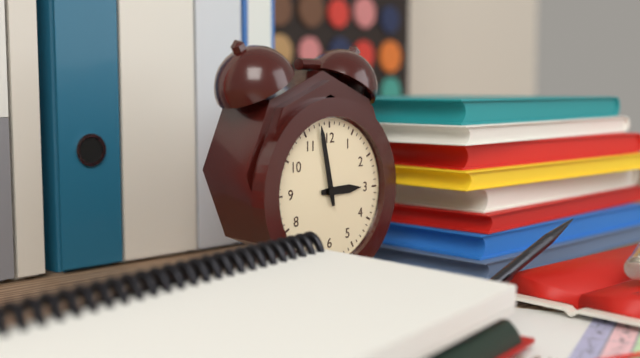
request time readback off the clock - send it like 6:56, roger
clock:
2:58
